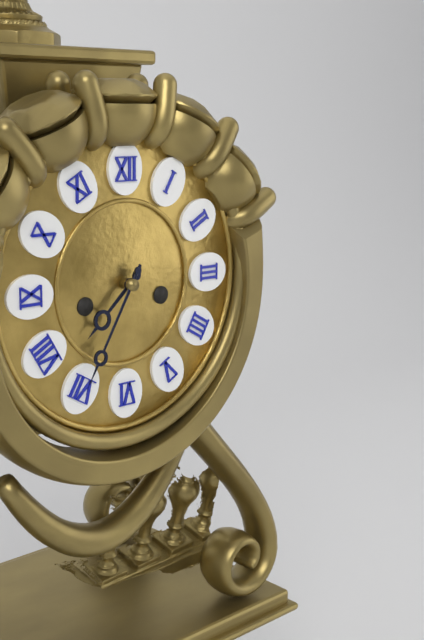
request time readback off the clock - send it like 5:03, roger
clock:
7:35
